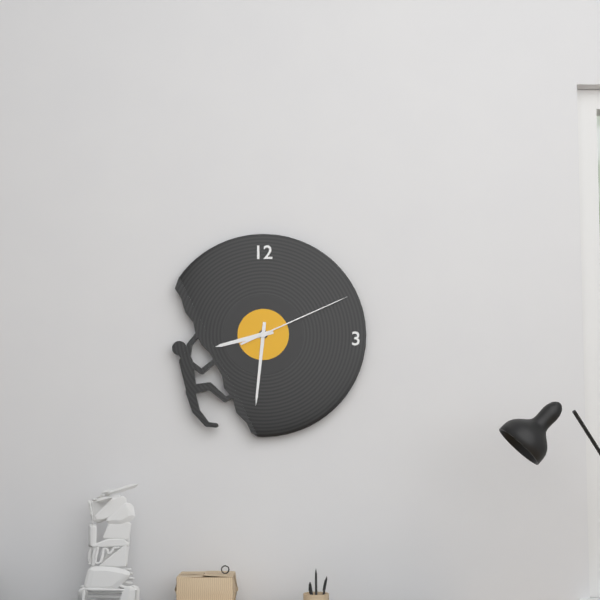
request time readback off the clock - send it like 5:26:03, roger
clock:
8:31:11
